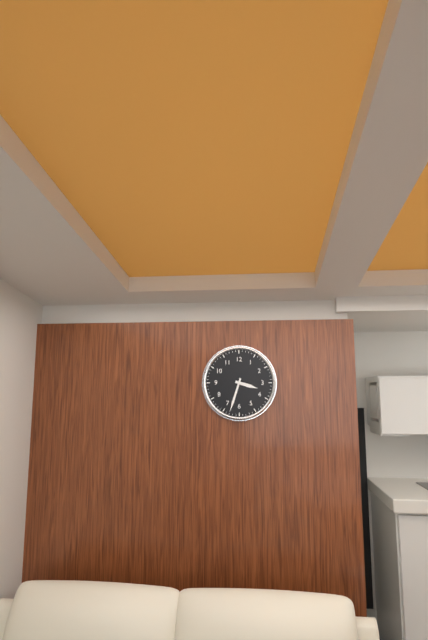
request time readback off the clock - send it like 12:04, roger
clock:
3:33
